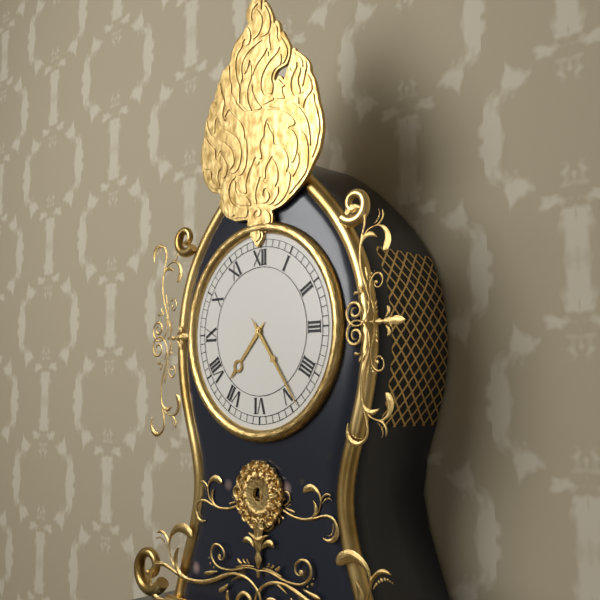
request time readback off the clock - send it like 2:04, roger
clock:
7:24
